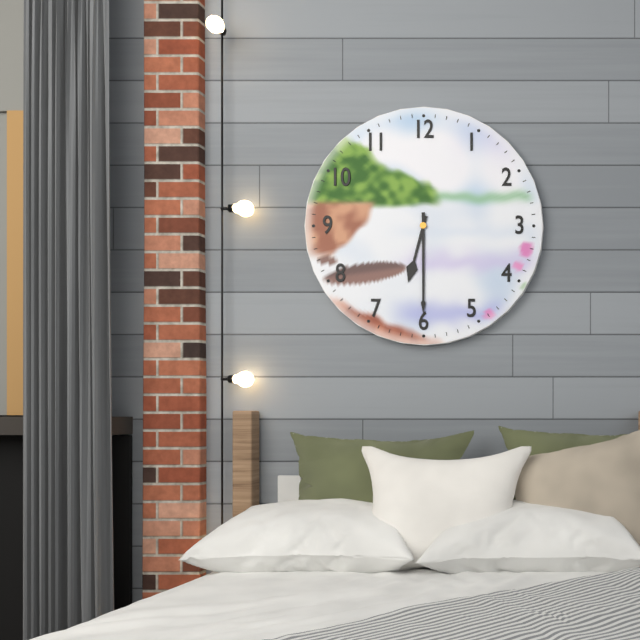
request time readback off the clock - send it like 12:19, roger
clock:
6:30
